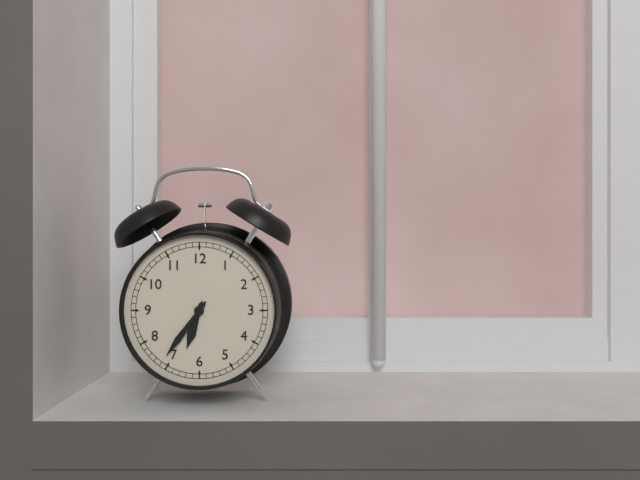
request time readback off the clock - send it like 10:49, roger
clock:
6:36
